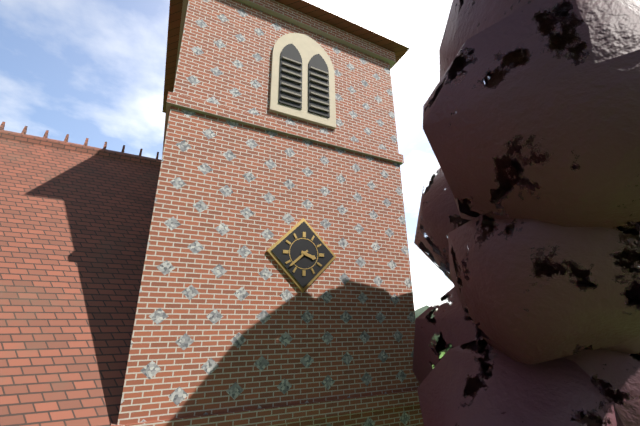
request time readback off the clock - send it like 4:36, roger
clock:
3:38
